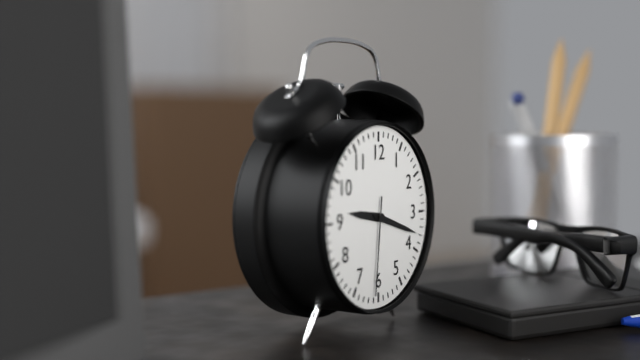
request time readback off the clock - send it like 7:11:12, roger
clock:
9:18:31
